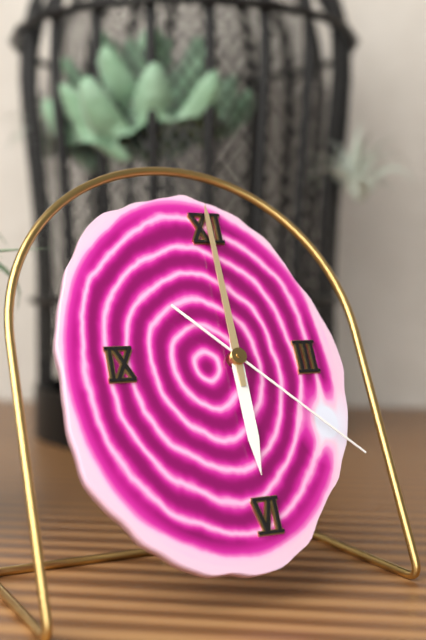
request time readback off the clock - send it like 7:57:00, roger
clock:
6:00:22
